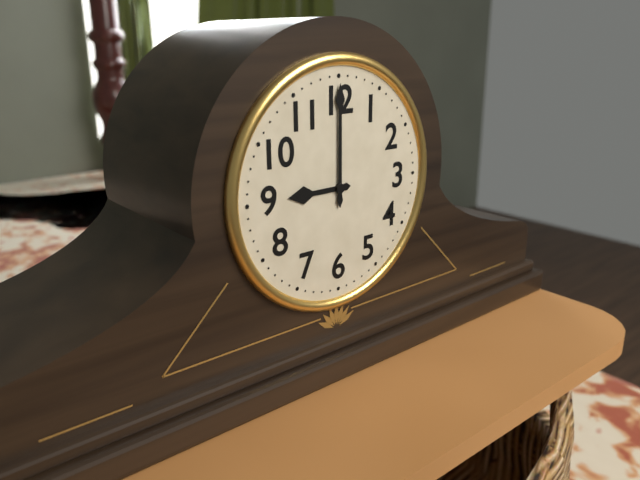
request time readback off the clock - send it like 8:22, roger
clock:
9:00
